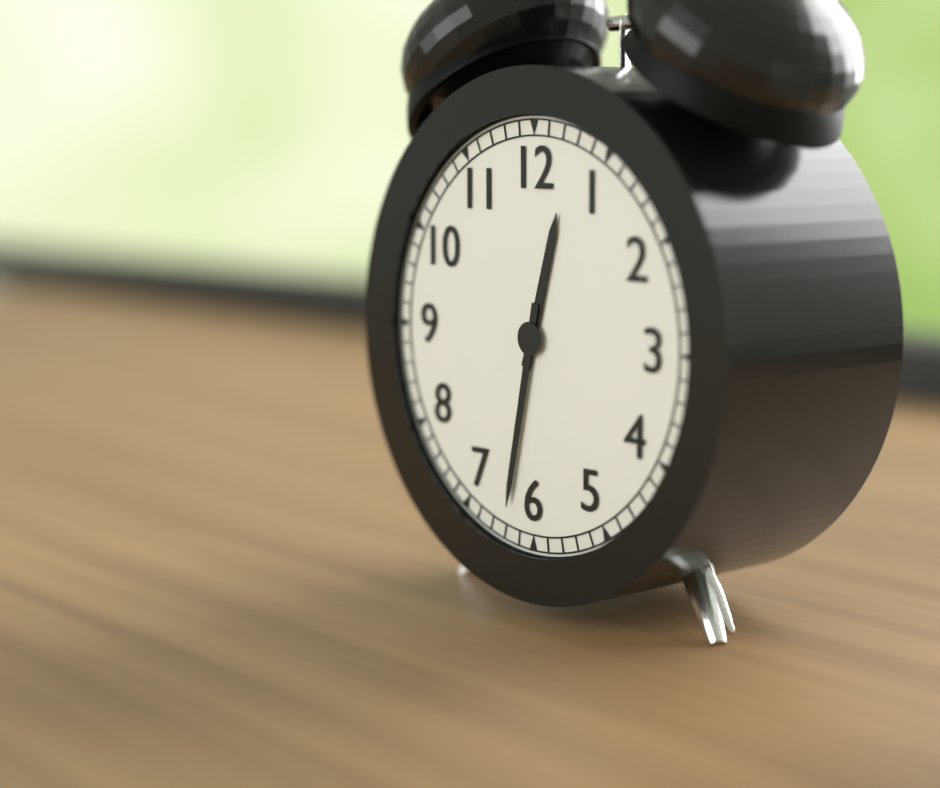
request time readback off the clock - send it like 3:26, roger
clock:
12:32
